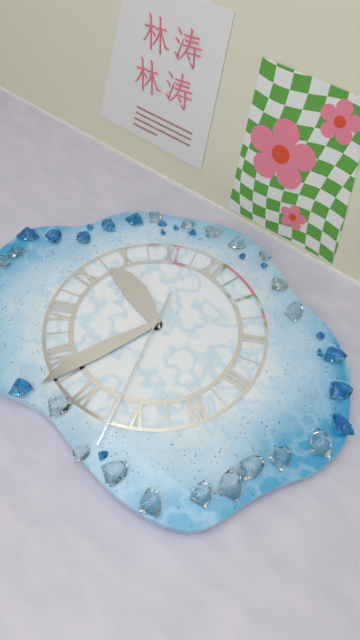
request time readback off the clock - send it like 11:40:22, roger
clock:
9:33:27
